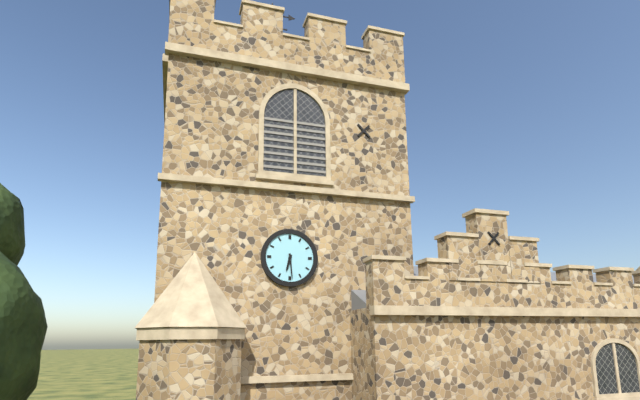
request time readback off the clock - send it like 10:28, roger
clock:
6:29
